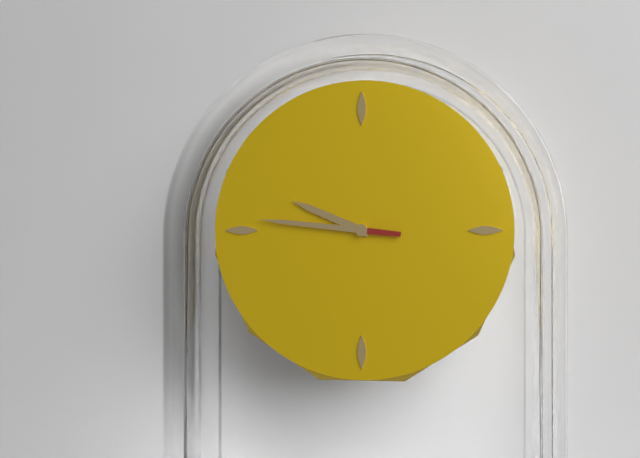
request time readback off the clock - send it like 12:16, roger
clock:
9:46
